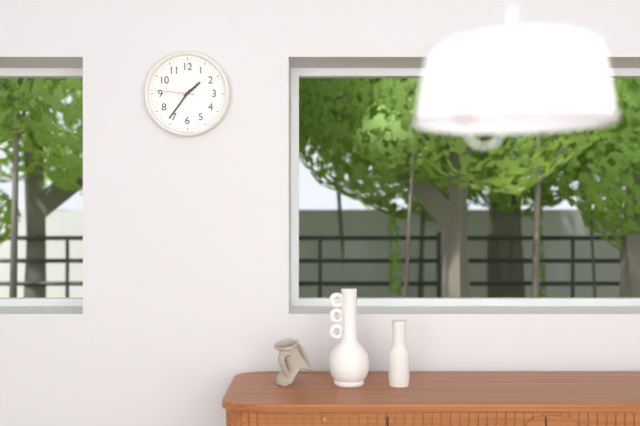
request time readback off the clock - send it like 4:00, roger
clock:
1:36
